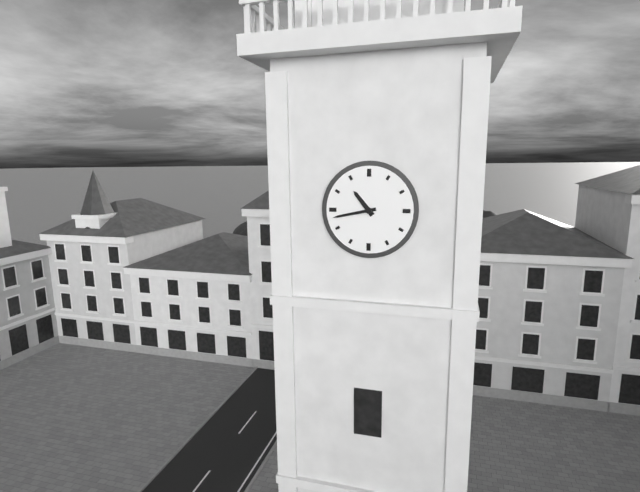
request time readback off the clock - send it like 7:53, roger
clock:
10:43
